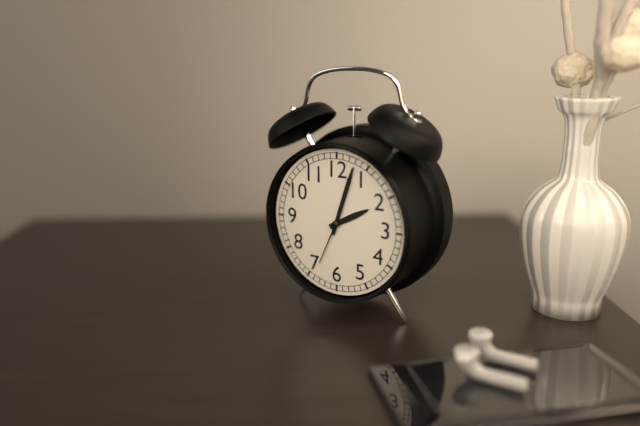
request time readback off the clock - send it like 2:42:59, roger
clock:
2:03:34
